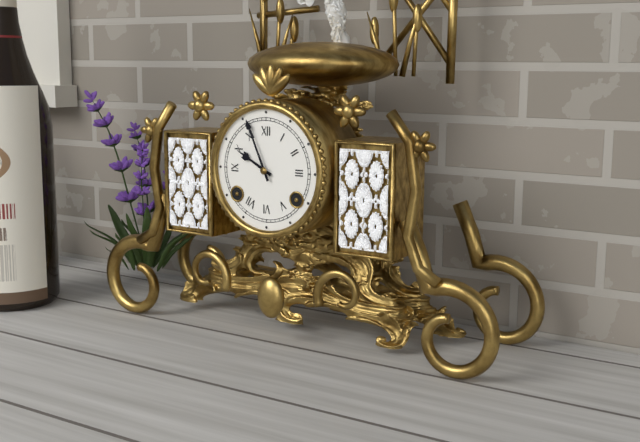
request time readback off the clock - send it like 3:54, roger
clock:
9:56
